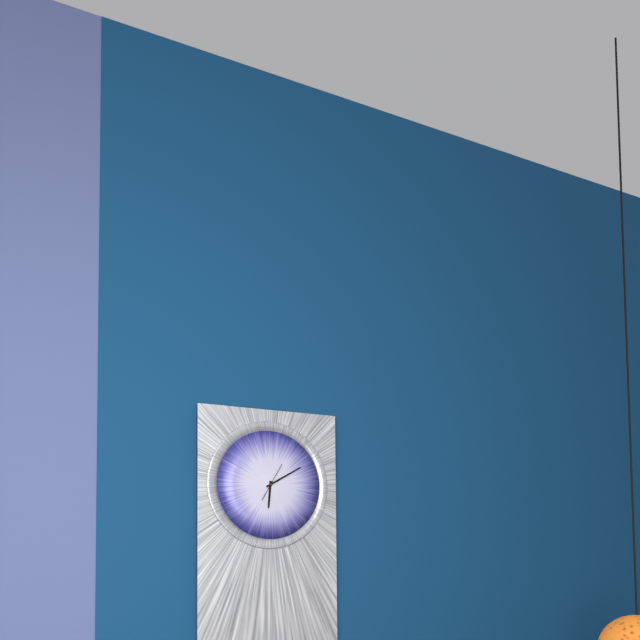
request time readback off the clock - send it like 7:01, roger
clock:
6:10
